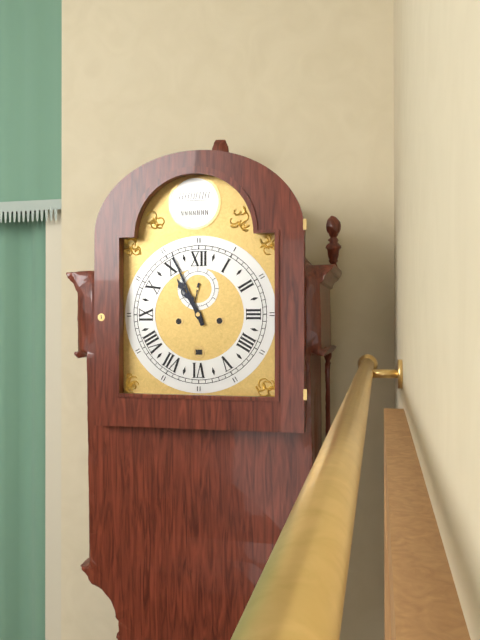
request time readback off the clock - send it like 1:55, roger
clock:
10:56
